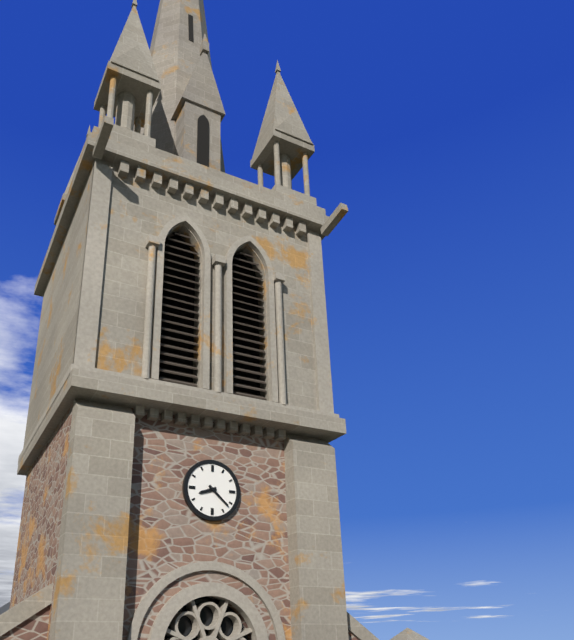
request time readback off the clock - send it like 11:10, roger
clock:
8:22
